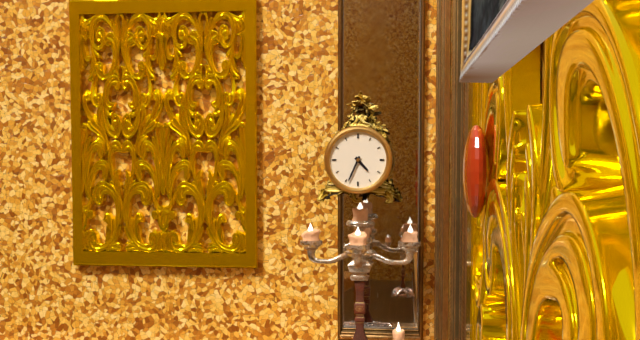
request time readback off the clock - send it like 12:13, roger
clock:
4:34
